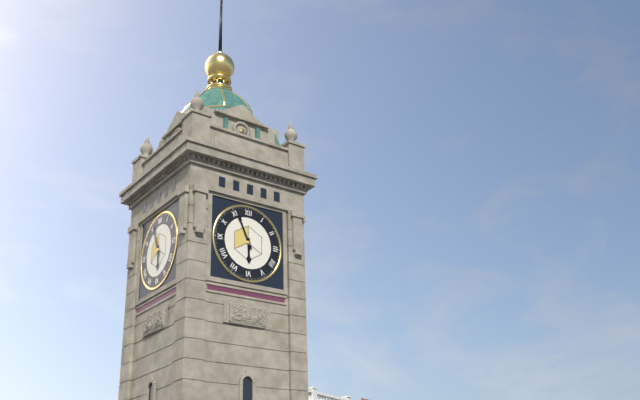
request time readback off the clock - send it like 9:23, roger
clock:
5:56
